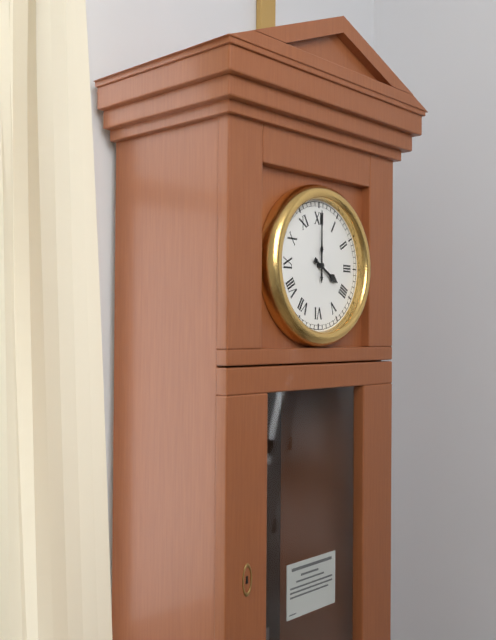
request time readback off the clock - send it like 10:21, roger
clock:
4:00
